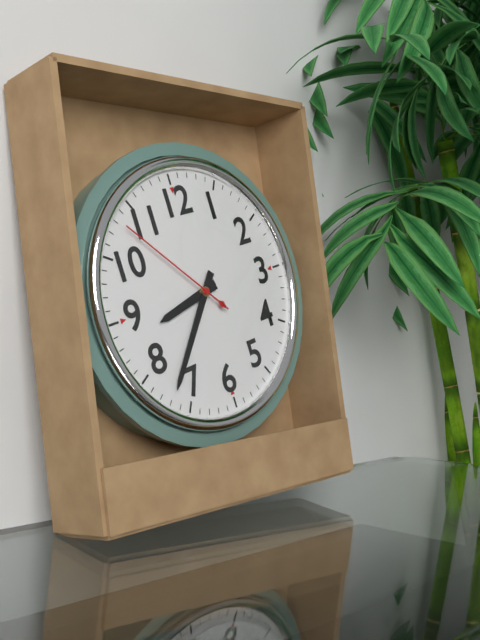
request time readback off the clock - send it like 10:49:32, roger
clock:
8:37:53
